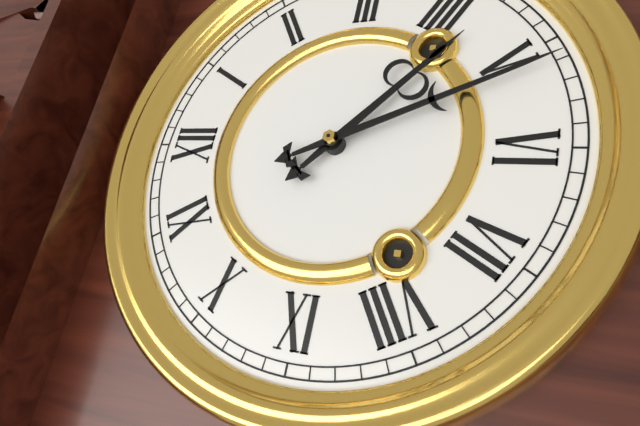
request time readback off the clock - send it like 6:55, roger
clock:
4:26
